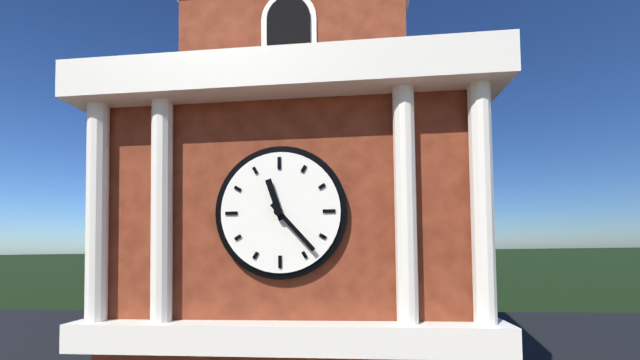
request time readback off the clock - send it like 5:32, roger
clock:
11:23
